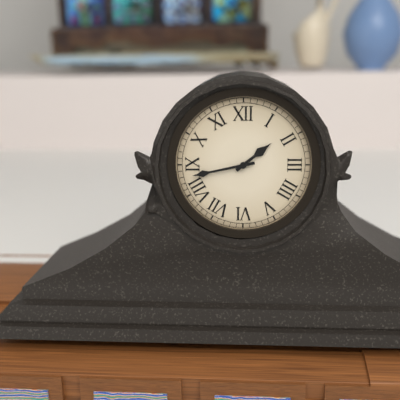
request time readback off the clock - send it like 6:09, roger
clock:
1:43
